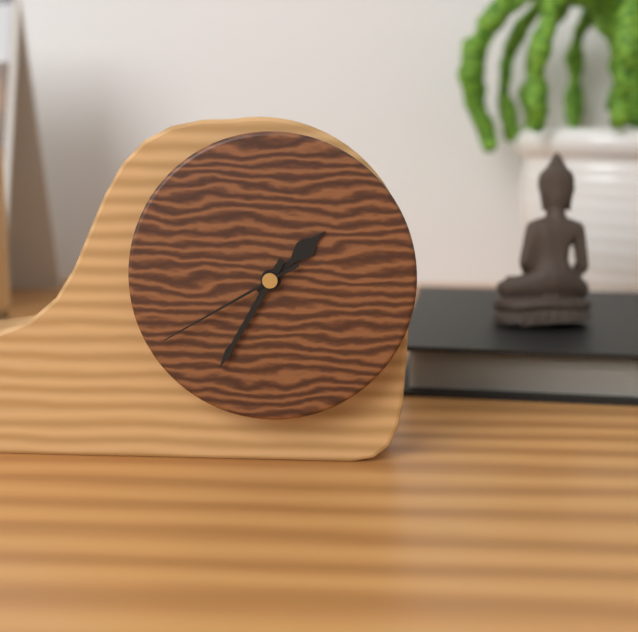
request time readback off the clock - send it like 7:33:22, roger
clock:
1:35:40
